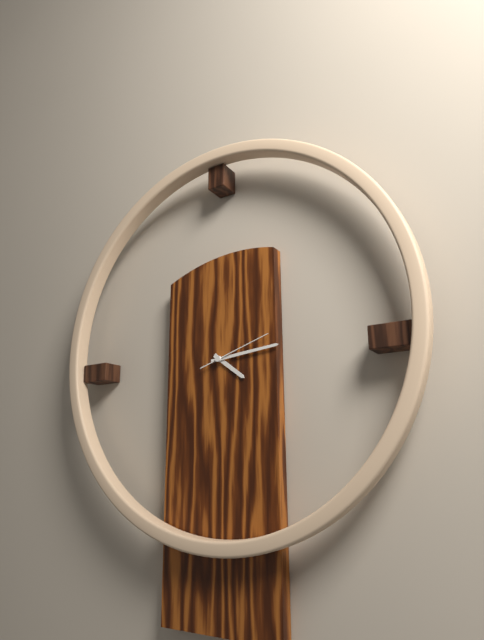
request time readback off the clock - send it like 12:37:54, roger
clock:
4:14:12
